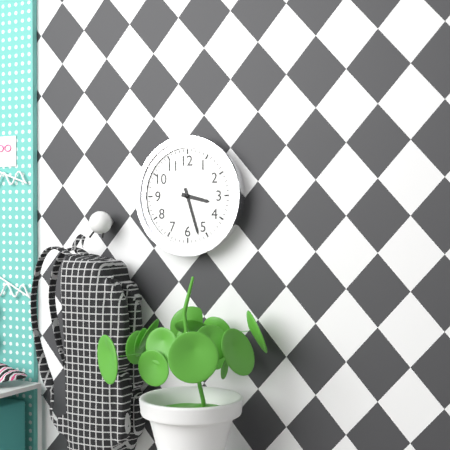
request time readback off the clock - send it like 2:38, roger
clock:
3:27
